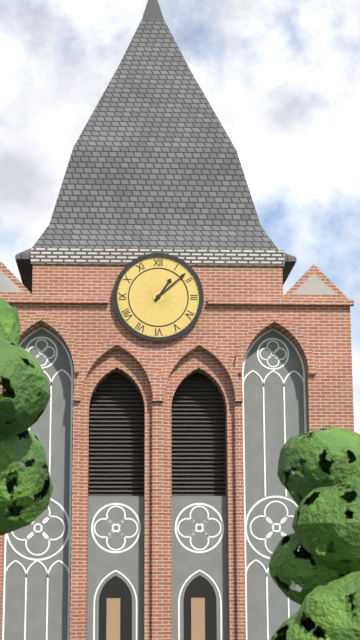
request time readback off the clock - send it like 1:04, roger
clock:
1:08
